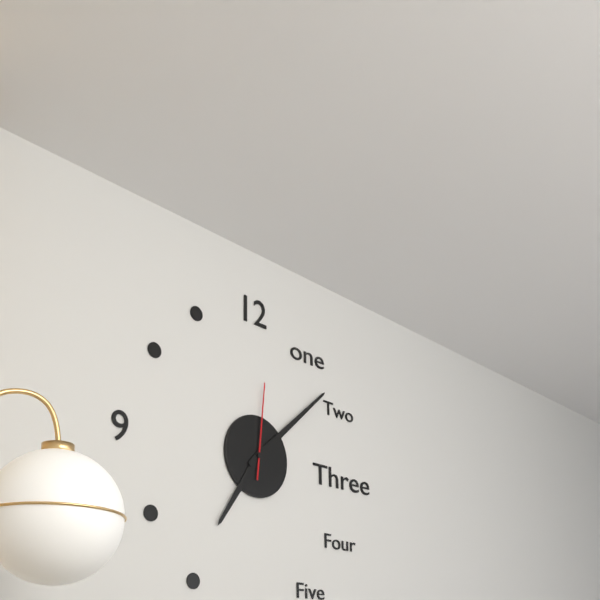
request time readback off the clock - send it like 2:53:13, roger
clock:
7:08:01
